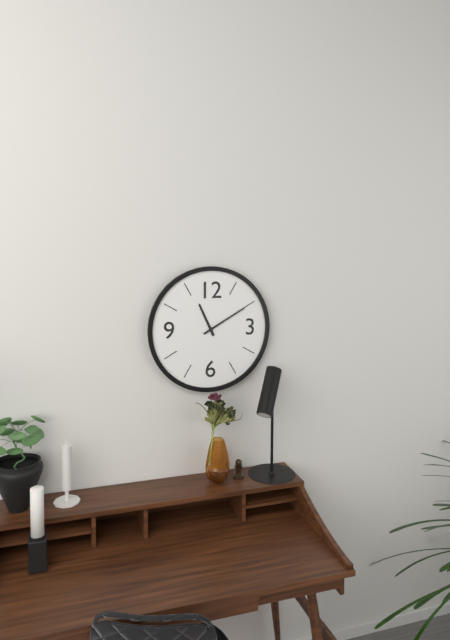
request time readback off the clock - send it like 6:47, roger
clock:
11:10
